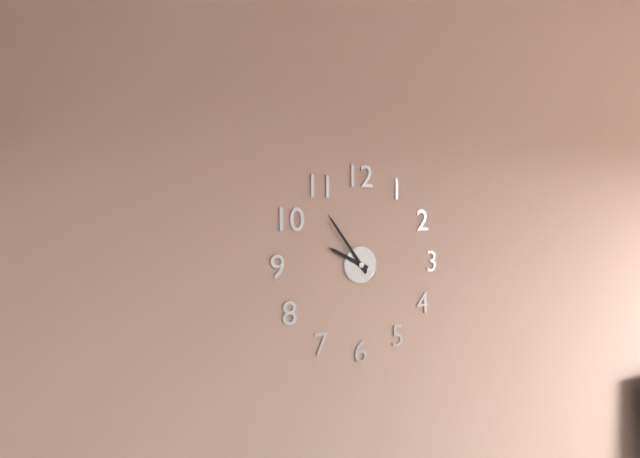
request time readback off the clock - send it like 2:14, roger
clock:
9:54
